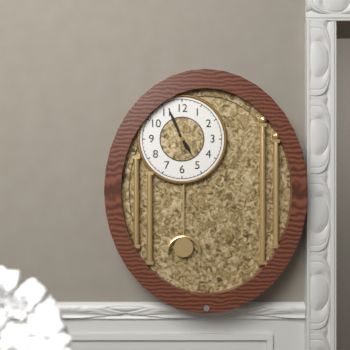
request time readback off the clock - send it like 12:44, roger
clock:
4:56
